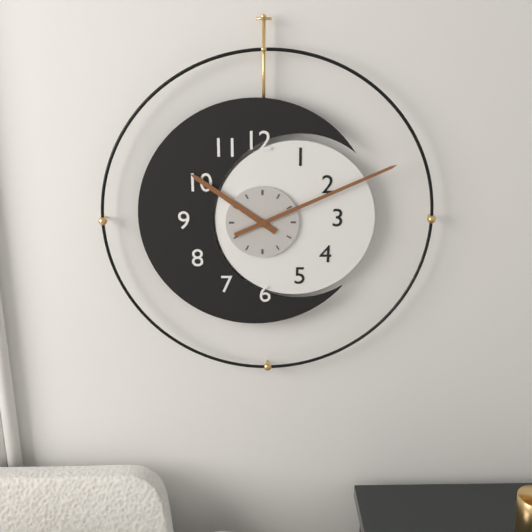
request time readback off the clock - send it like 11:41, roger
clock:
10:11
